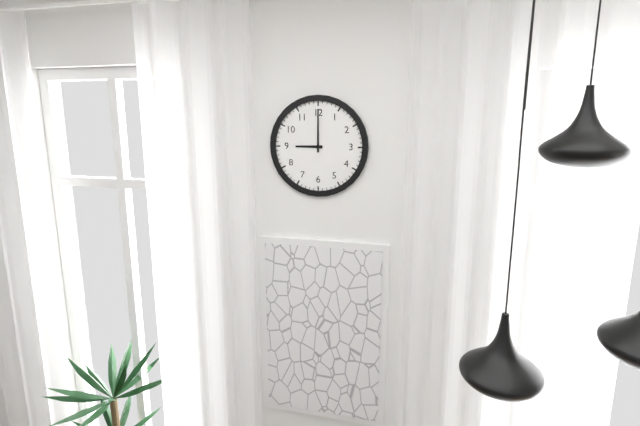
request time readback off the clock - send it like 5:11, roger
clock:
9:00
